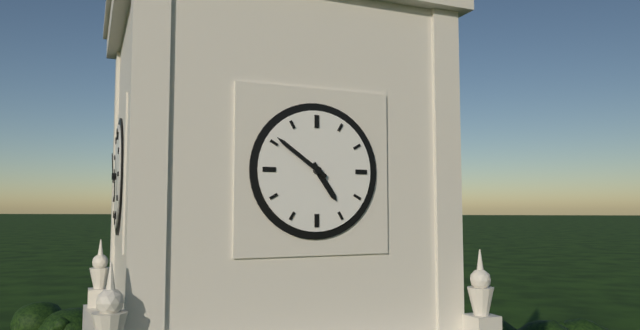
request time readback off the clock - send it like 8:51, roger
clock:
4:51
